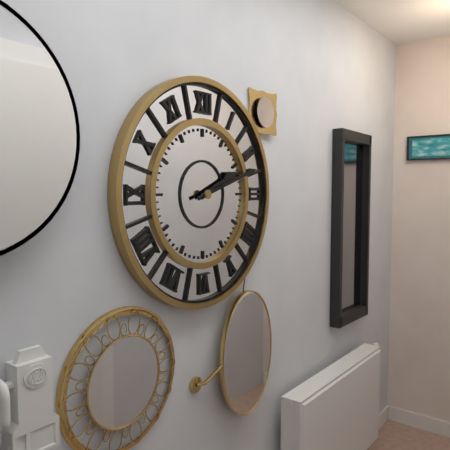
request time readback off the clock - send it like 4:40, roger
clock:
2:12
